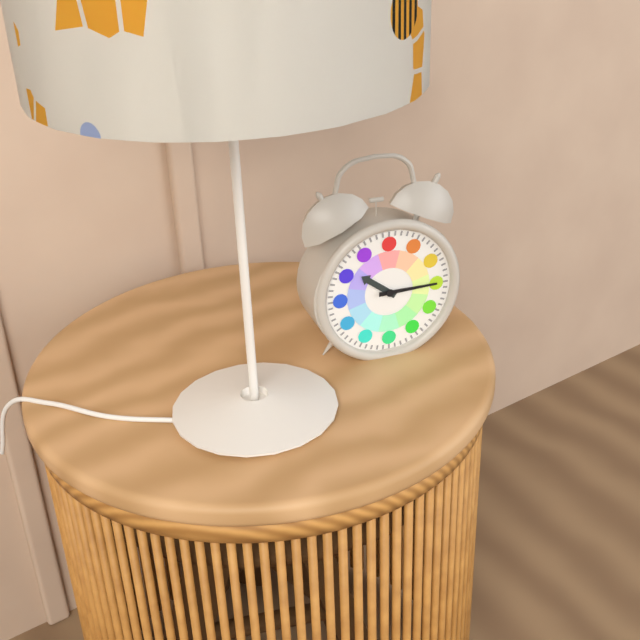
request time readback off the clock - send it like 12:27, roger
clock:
10:15
